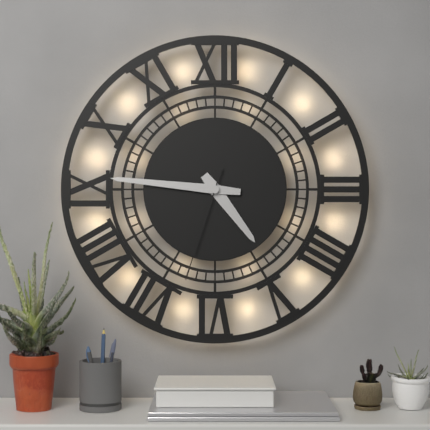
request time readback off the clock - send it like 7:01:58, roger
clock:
4:46:33
